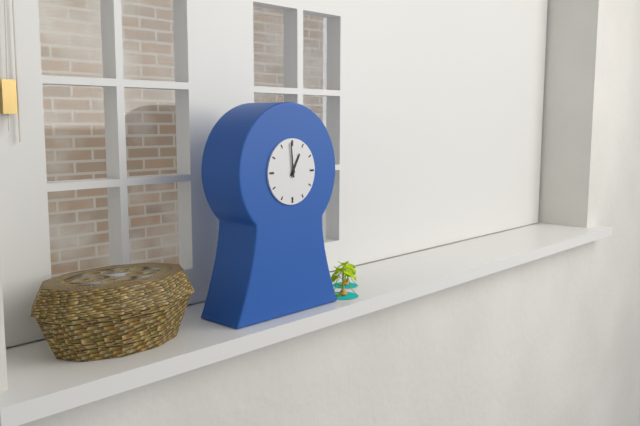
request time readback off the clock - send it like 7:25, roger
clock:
12:59
